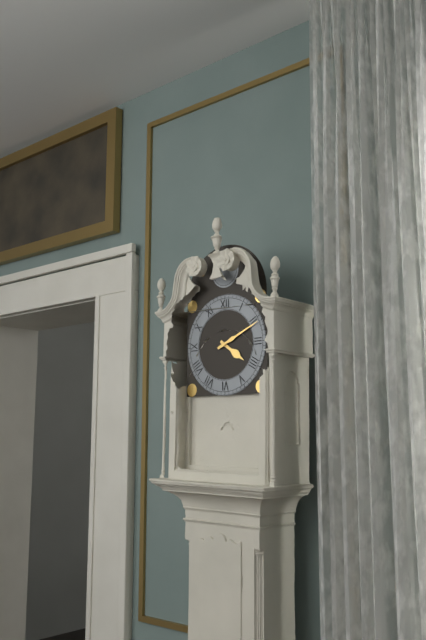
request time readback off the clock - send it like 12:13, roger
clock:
4:11
